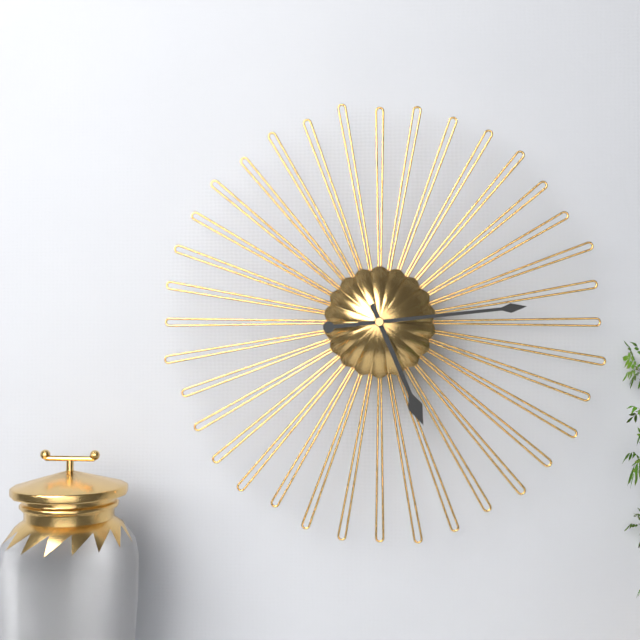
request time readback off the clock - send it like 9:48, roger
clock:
5:14
